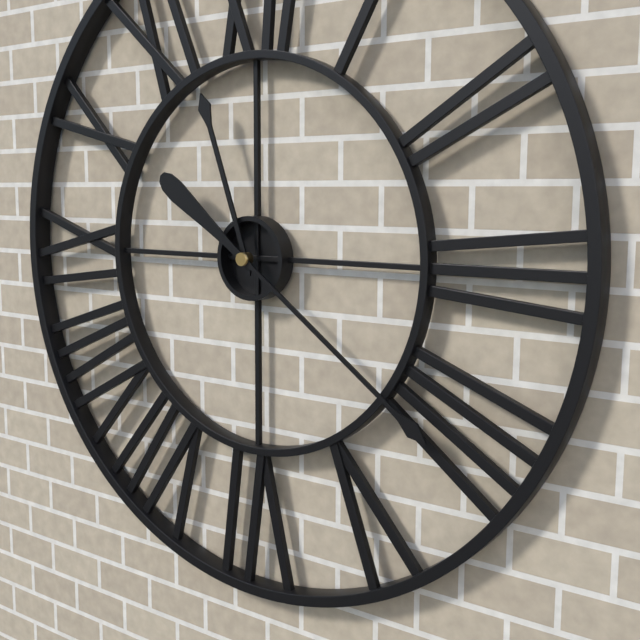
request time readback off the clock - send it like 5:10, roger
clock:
11:21
